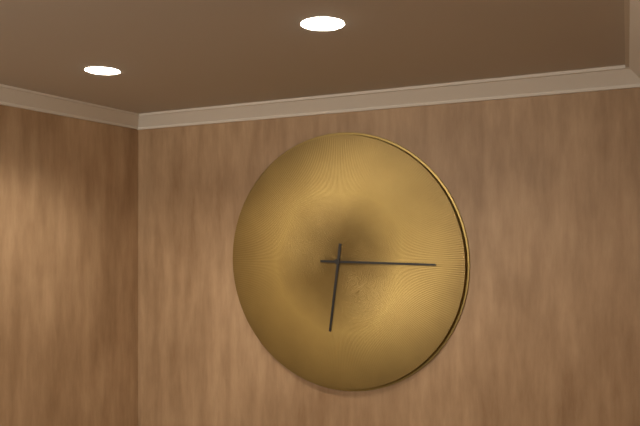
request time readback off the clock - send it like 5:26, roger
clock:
6:15
